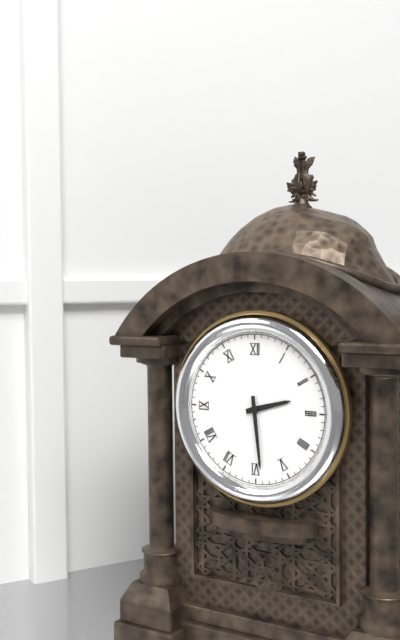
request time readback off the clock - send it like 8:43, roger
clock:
2:29
